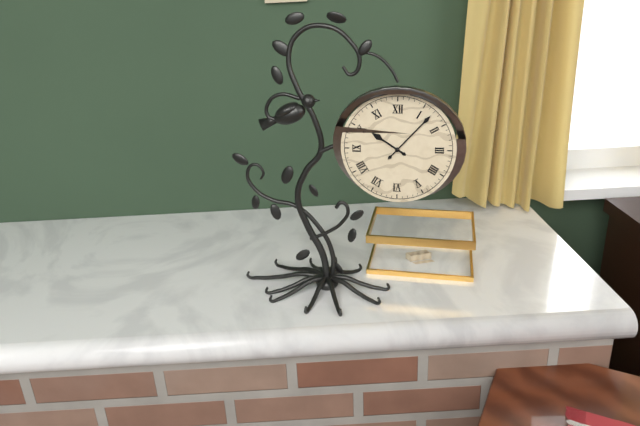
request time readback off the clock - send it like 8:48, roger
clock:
10:07
